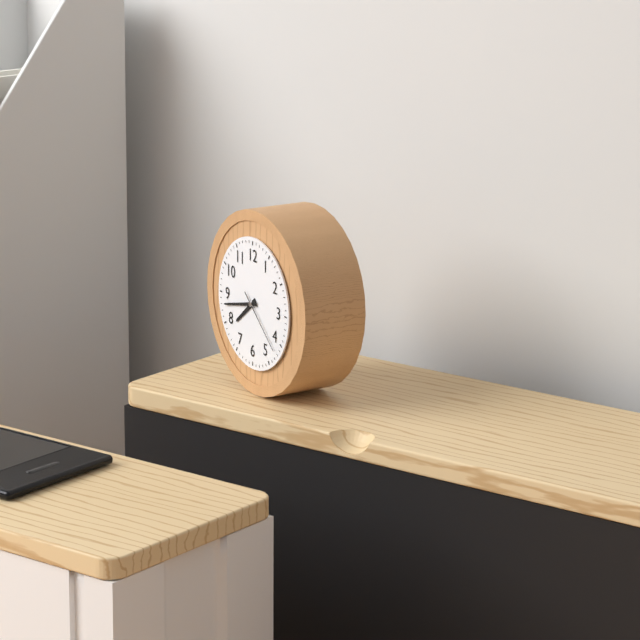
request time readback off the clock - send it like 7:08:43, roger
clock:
7:43:22
